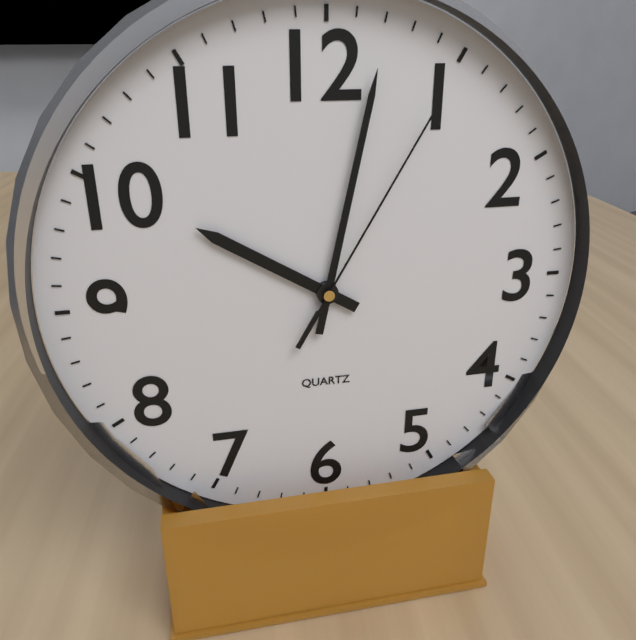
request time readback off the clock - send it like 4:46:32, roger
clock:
10:02:05
